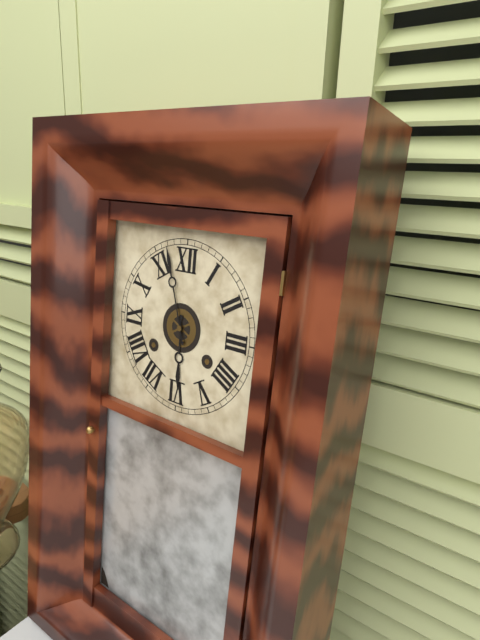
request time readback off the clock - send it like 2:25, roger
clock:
5:57
